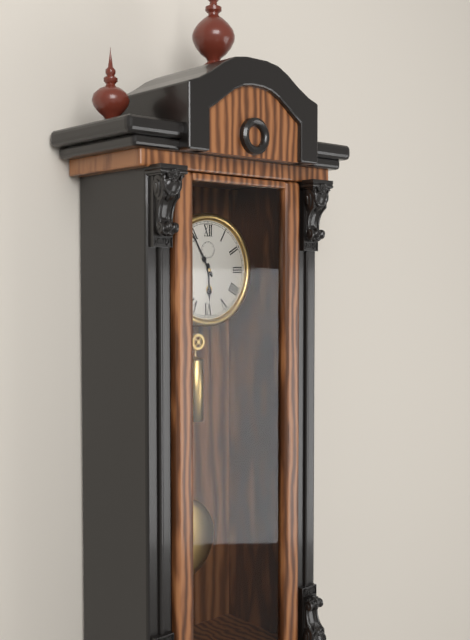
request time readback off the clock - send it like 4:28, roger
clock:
5:55
